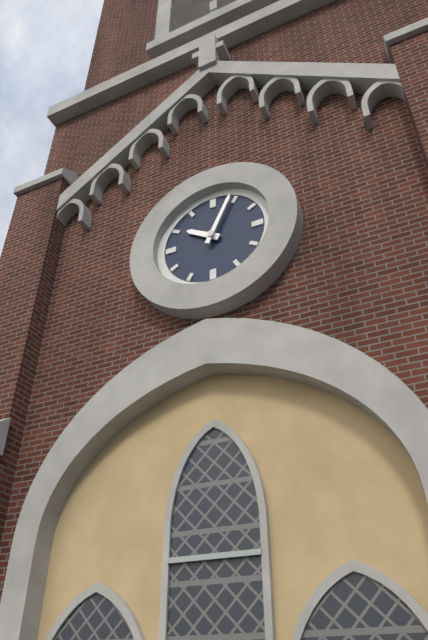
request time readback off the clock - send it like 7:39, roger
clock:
10:04
